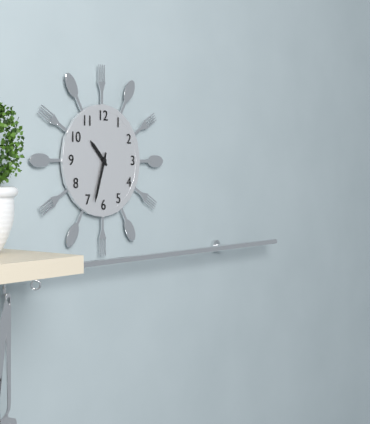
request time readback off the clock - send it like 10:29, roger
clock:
10:33
